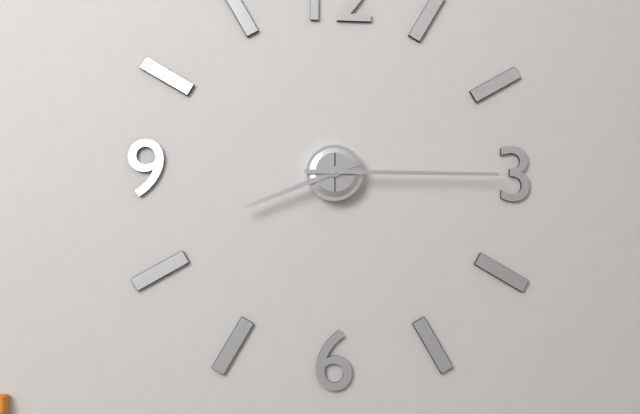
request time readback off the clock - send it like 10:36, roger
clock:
8:15
